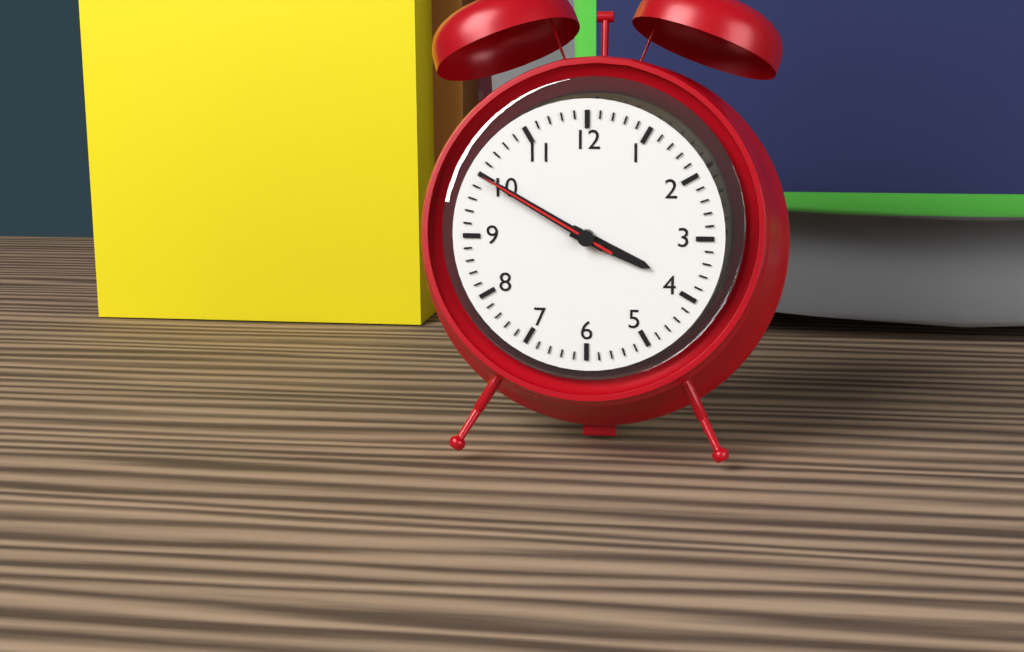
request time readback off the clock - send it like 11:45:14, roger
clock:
3:50:50
